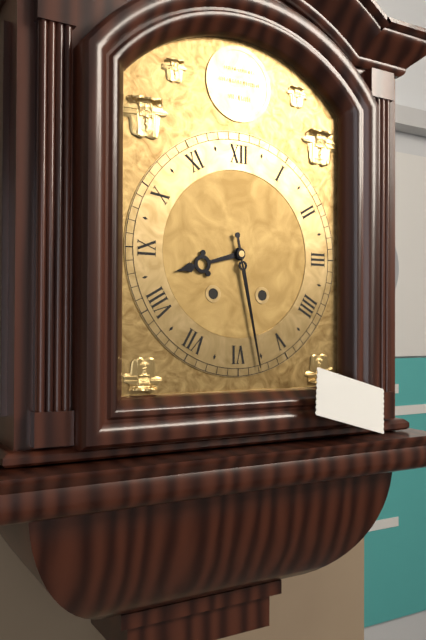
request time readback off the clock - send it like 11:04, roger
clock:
8:28
